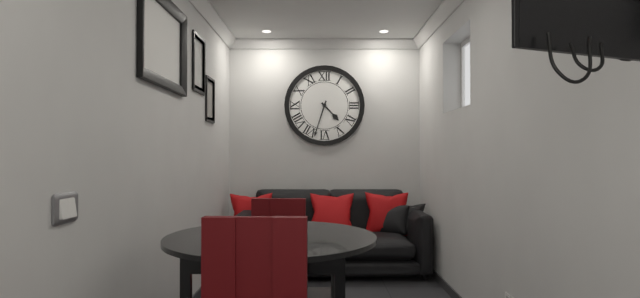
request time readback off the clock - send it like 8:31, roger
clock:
4:33
